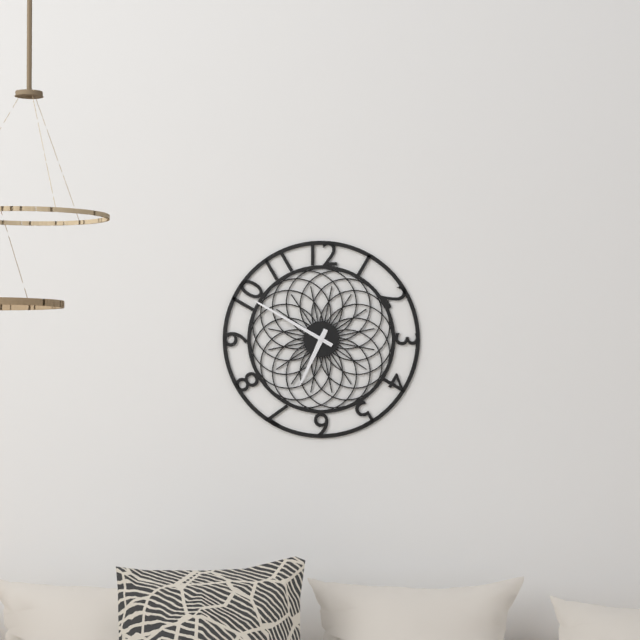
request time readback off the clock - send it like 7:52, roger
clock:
6:50
